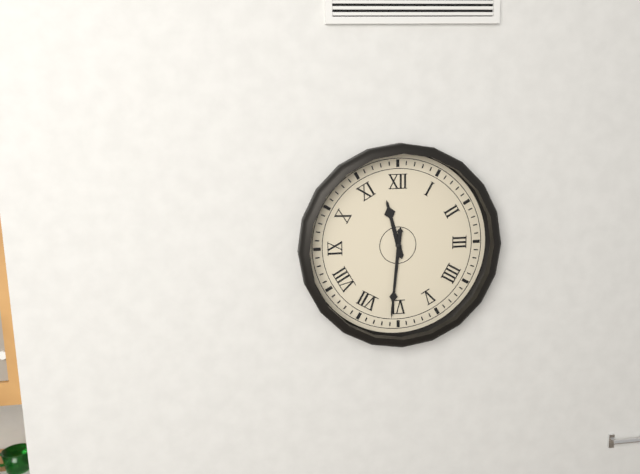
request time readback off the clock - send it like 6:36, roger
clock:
11:31
